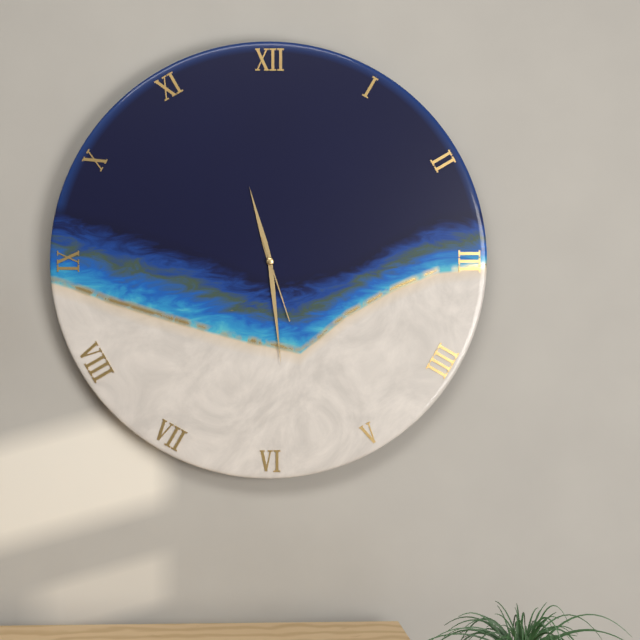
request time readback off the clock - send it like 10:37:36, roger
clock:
11:29:27
